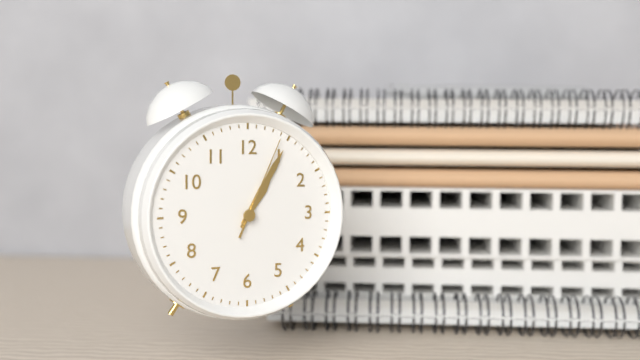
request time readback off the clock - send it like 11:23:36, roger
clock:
1:05:04
